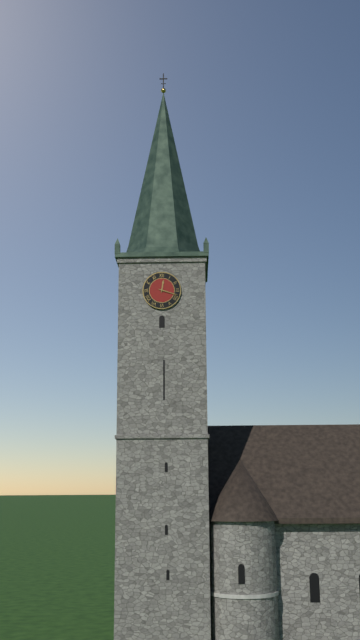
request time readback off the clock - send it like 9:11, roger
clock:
12:18
